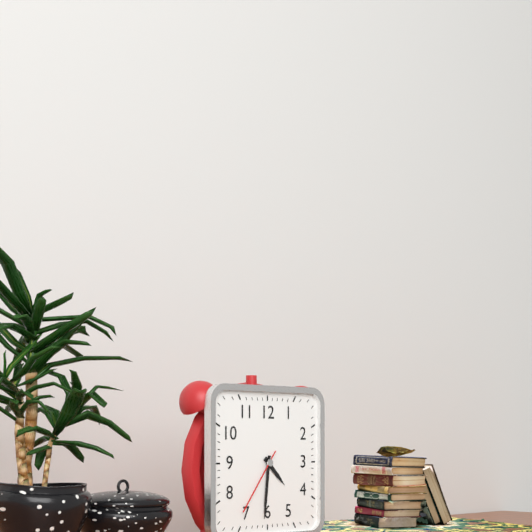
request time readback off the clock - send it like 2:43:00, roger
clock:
4:31:36
